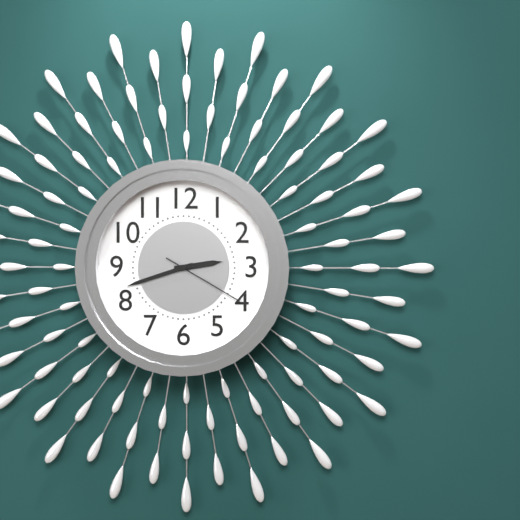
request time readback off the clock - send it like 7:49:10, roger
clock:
2:42:20
